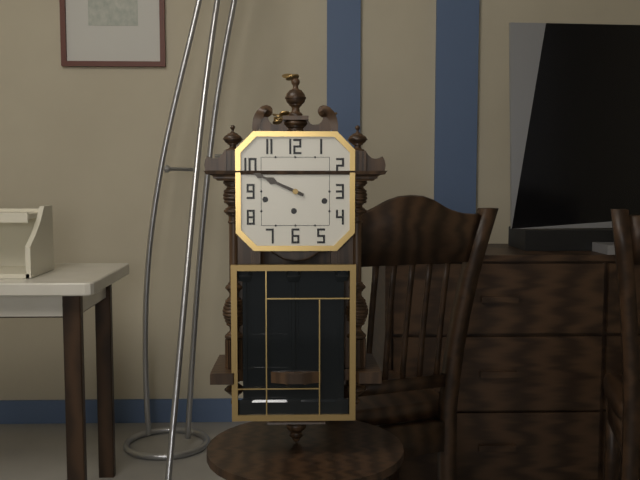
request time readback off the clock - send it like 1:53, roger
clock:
9:49
